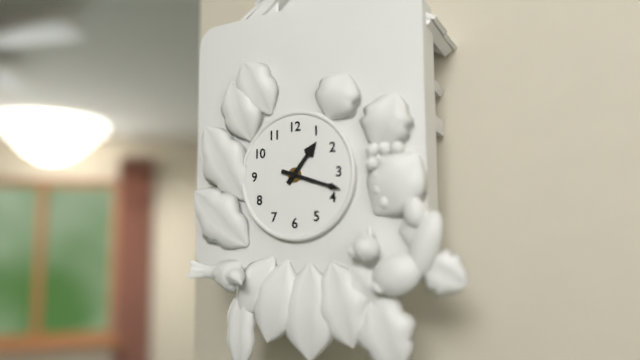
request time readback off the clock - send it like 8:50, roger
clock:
1:18
